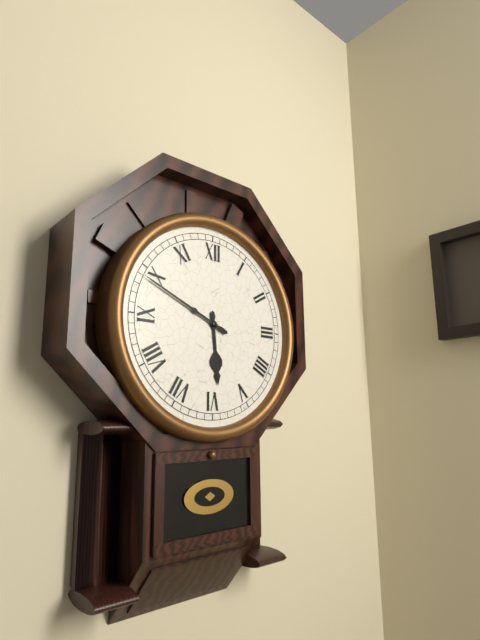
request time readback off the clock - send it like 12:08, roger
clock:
5:49
